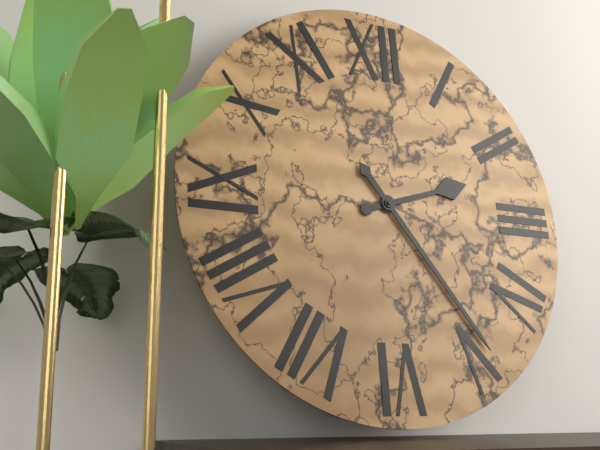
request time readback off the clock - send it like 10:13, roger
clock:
2:24
